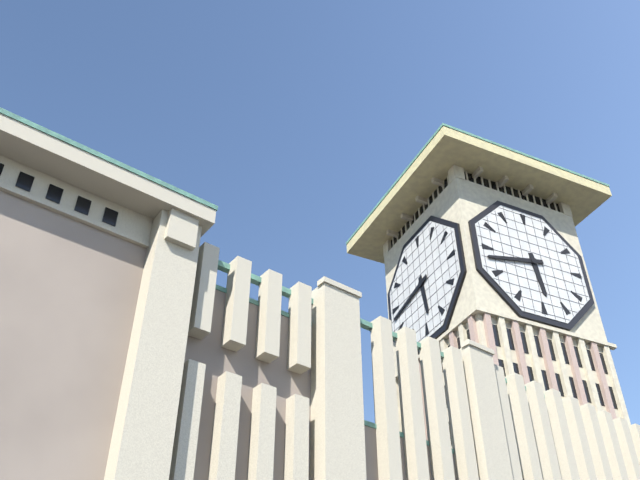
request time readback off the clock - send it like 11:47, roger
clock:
5:43
